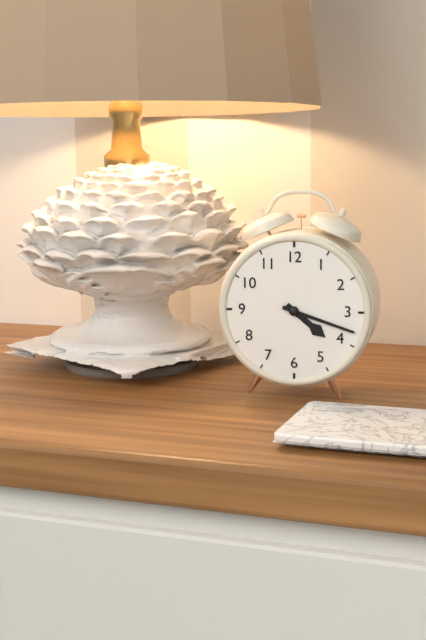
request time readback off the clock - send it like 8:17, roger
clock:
4:18
